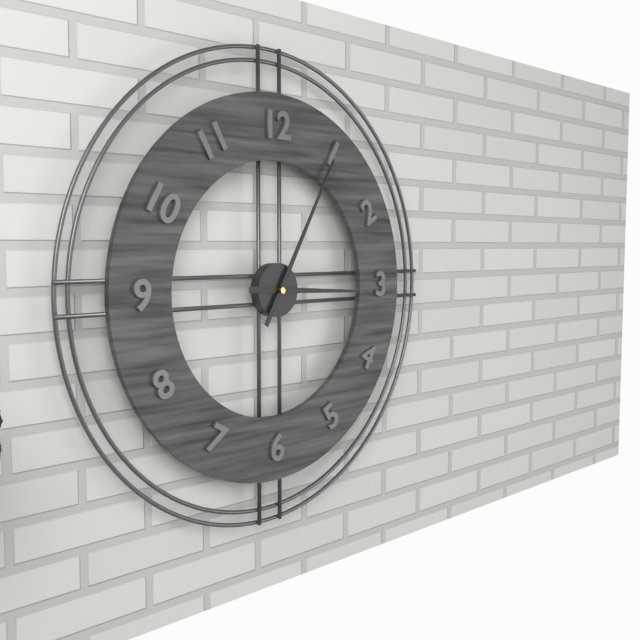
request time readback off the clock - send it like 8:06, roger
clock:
3:05
